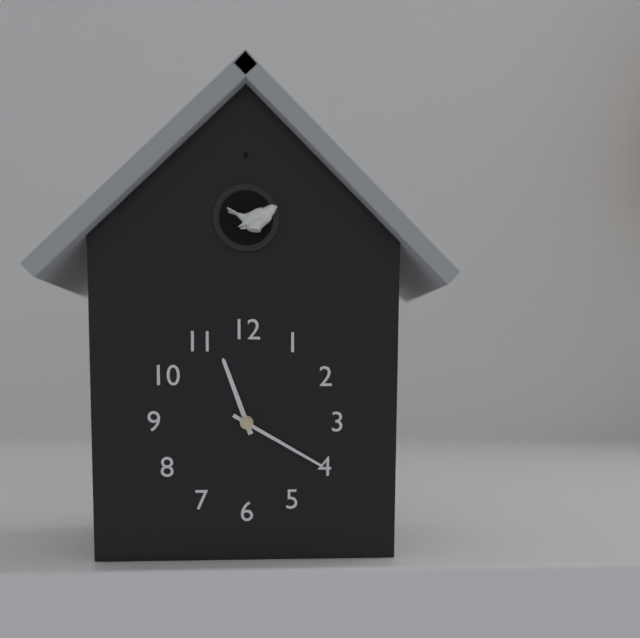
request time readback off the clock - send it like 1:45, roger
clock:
11:20
